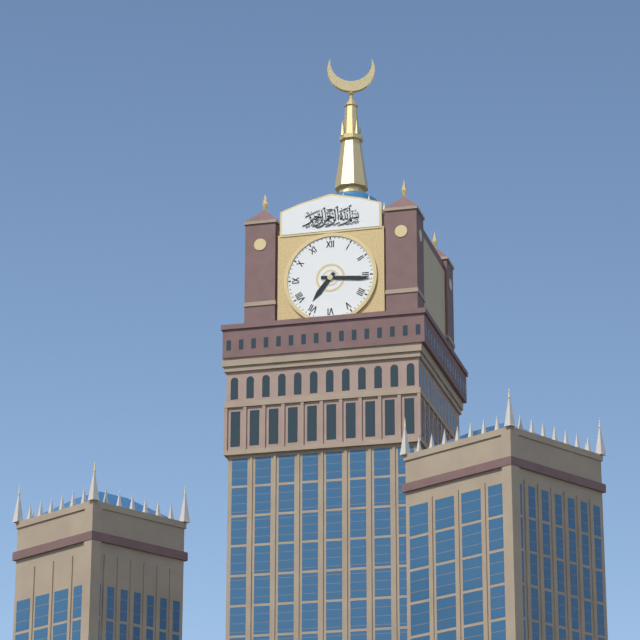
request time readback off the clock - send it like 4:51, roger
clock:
7:16
